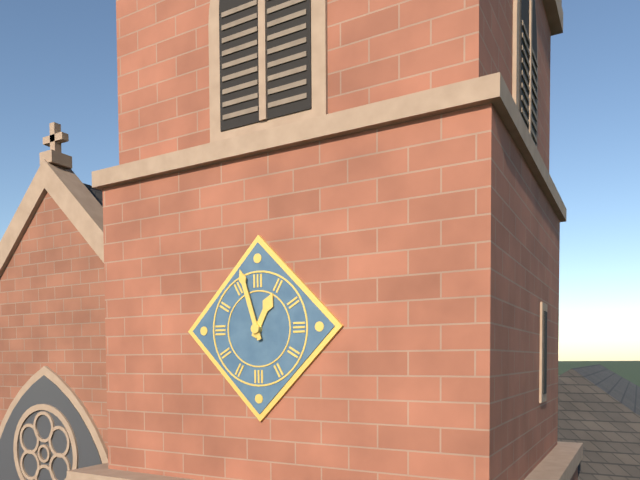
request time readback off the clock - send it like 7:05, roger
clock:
12:57
